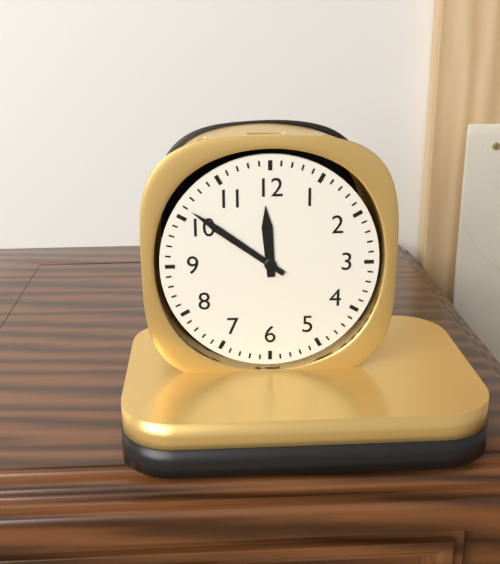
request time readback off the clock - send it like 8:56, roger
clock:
11:51
